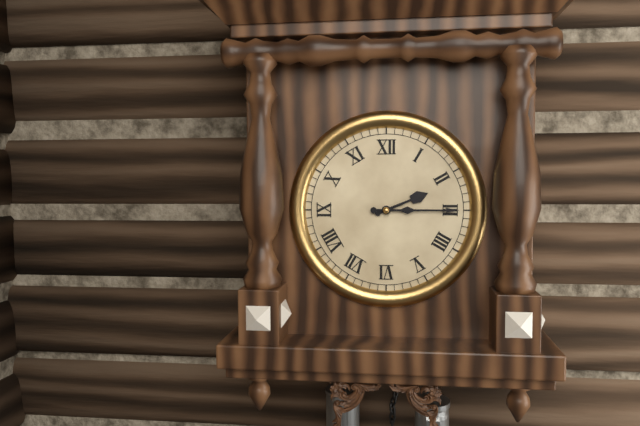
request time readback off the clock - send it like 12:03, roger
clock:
2:15
